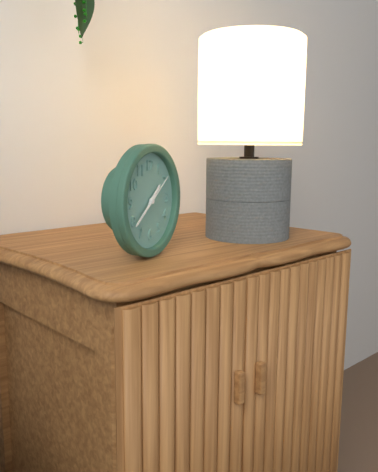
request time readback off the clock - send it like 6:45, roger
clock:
1:39
